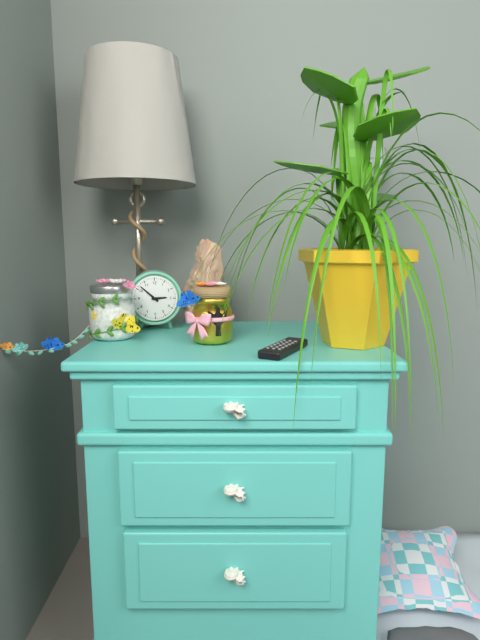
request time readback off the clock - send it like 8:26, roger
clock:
2:52
